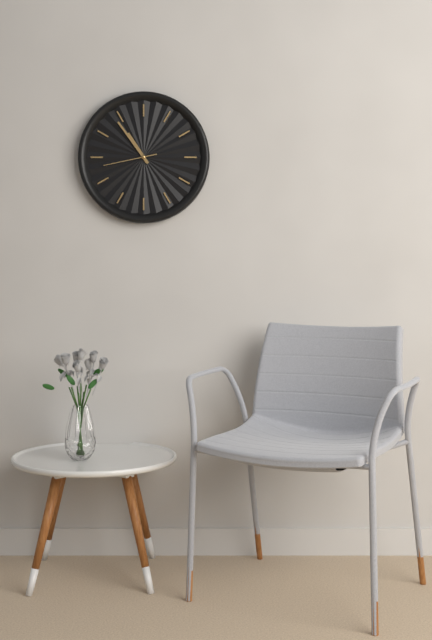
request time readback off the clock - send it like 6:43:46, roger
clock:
10:54:43
